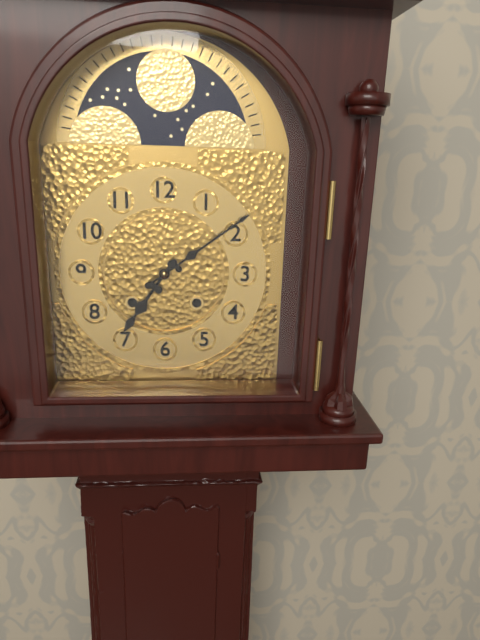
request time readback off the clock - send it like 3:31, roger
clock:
7:09
